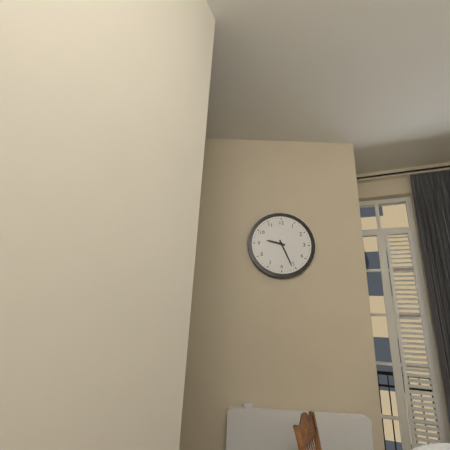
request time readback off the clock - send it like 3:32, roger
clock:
9:26
